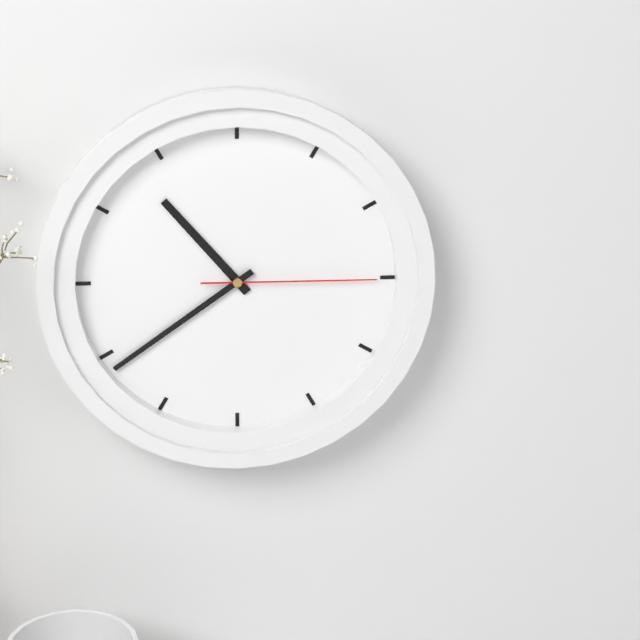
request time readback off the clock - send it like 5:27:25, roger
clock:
10:39:15
